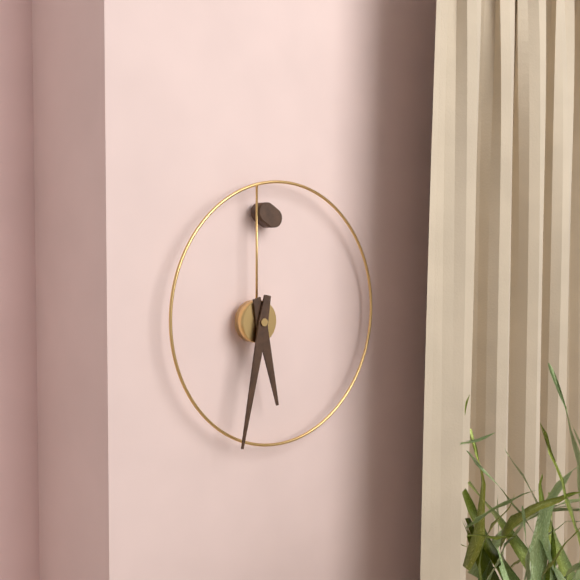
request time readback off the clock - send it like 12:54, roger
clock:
5:32
